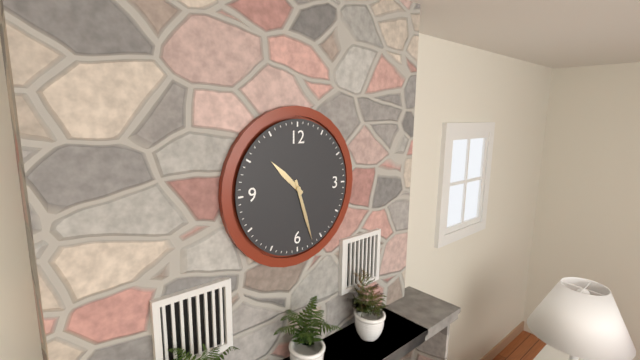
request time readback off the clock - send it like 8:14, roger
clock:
10:27
